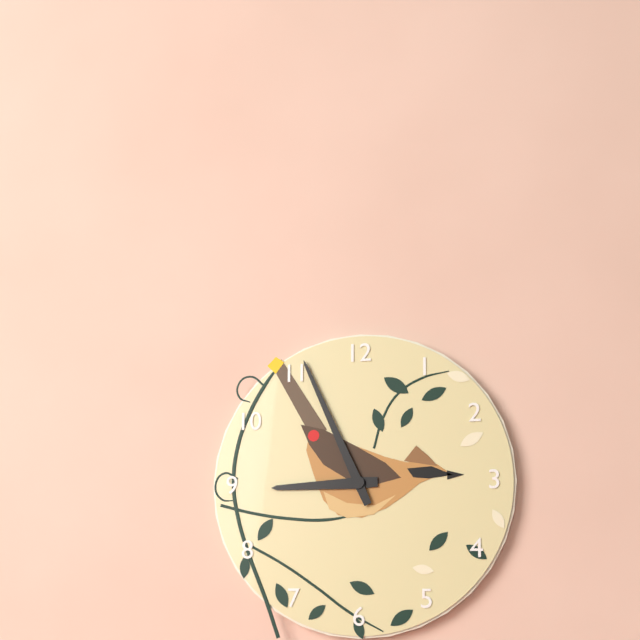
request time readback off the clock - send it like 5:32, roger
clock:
8:56
